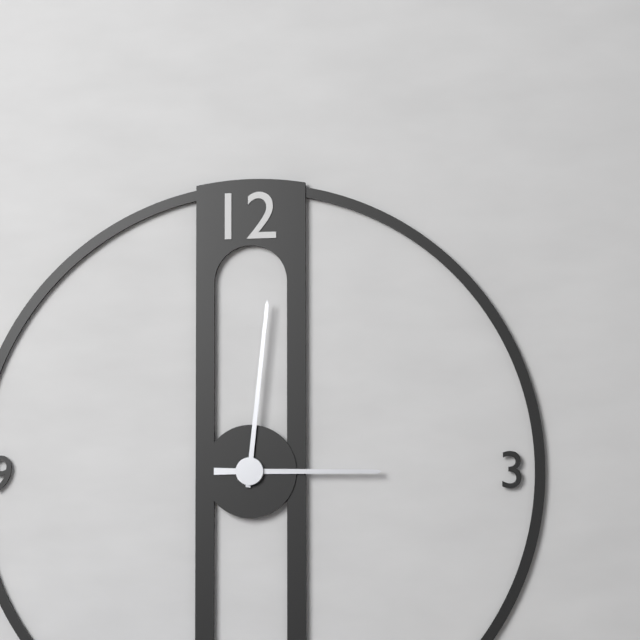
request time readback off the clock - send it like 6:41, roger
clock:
3:01
